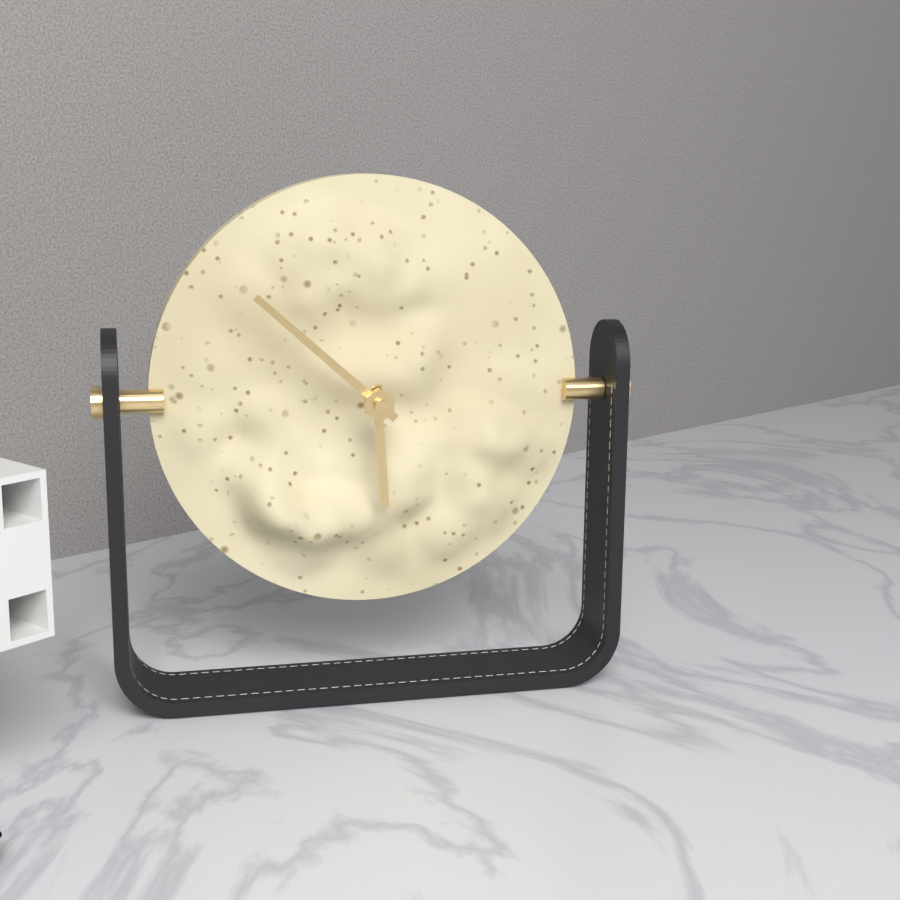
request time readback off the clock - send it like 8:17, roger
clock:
5:52
